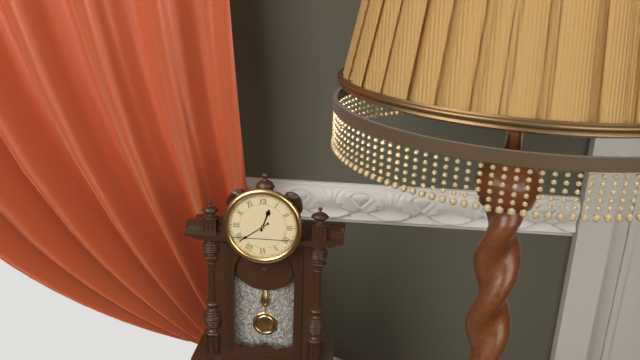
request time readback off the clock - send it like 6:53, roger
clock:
12:39
